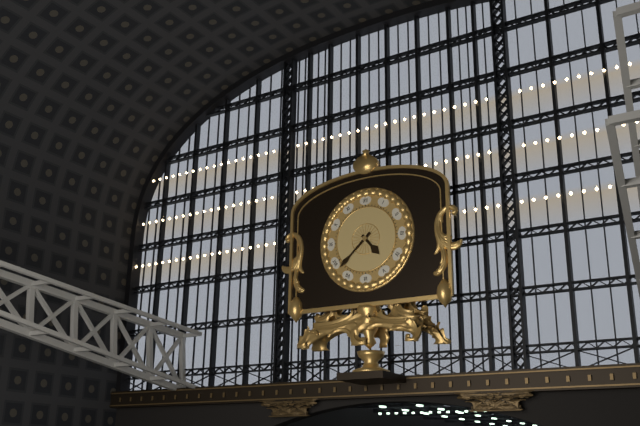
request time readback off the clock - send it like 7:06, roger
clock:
4:38
